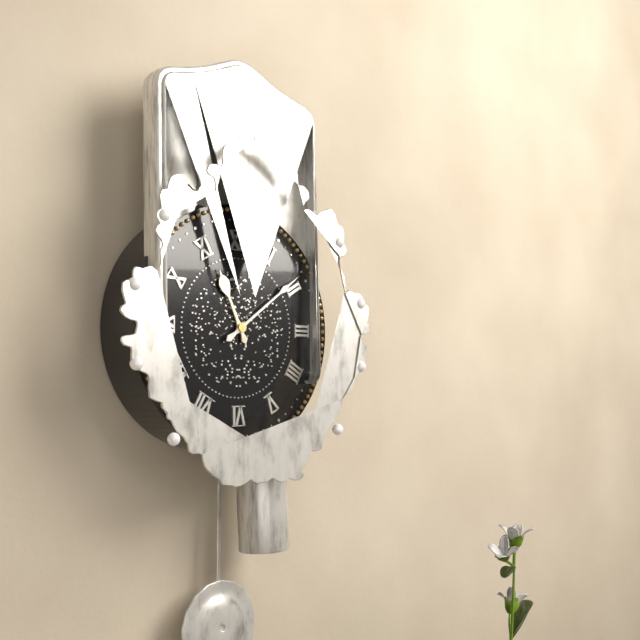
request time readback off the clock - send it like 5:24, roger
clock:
11:09
